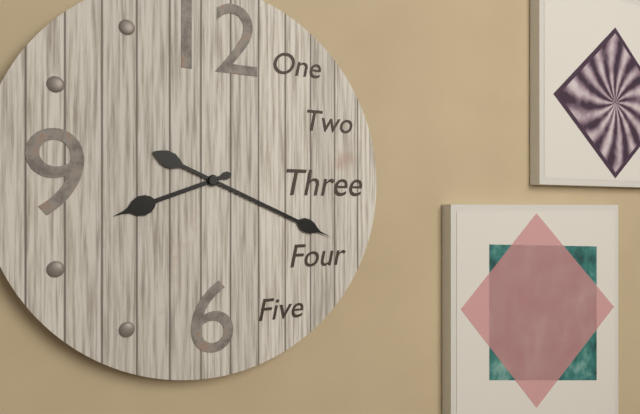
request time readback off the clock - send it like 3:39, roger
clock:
8:19
